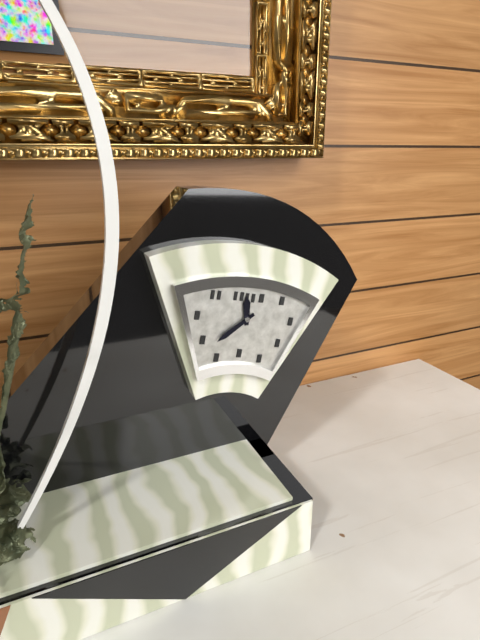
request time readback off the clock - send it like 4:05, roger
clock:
11:38
